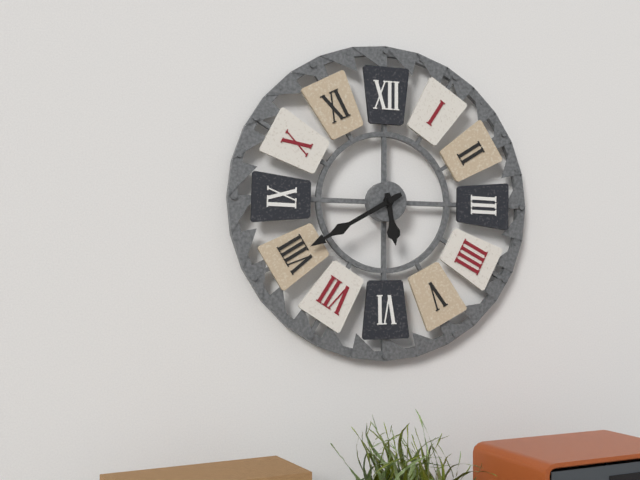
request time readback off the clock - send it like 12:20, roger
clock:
5:40
